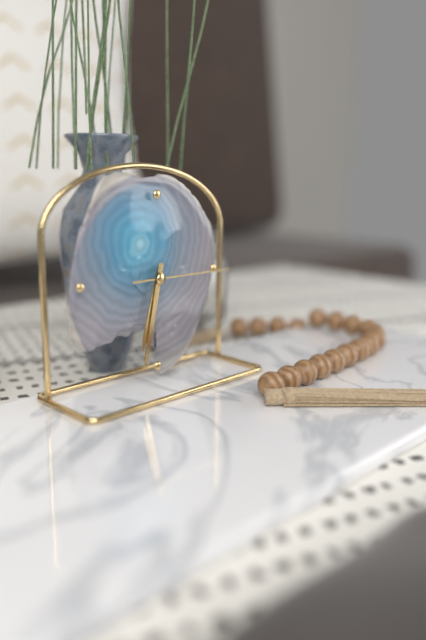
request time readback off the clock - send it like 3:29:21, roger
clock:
6:32:15
